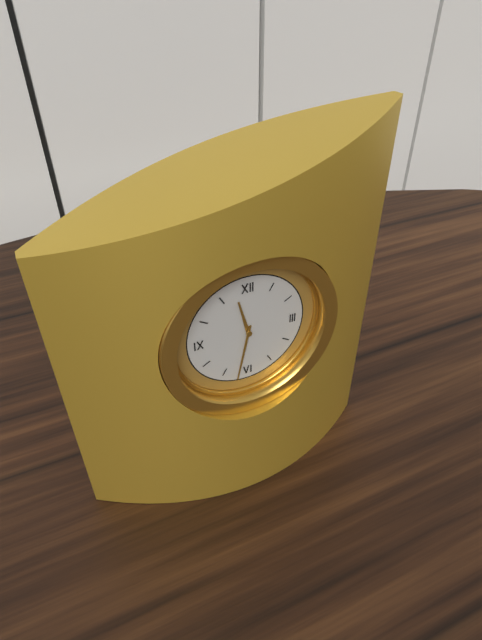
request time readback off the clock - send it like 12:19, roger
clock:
11:32
